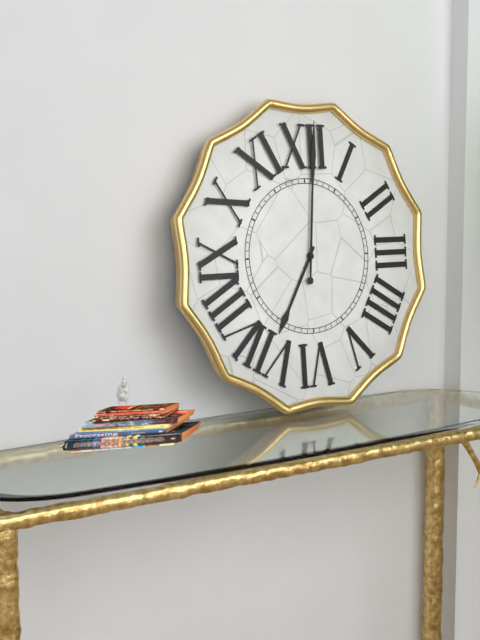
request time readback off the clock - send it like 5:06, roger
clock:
7:01
